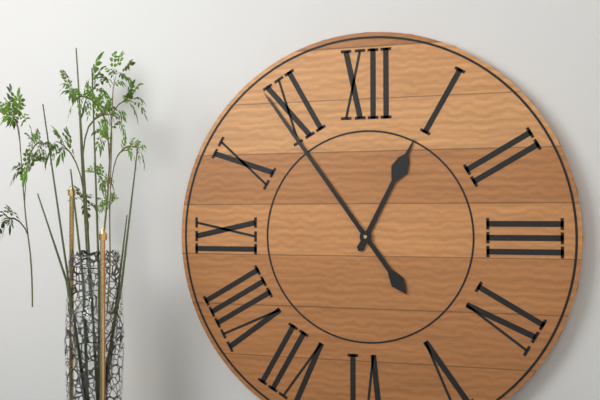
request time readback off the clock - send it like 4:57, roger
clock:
12:54
